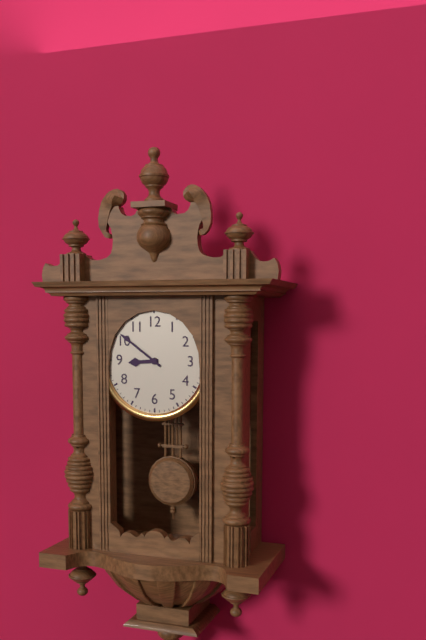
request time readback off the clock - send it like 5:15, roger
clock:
8:51
